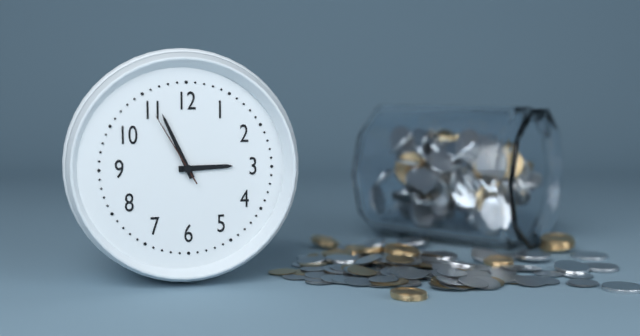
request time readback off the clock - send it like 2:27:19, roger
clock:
2:56:55
